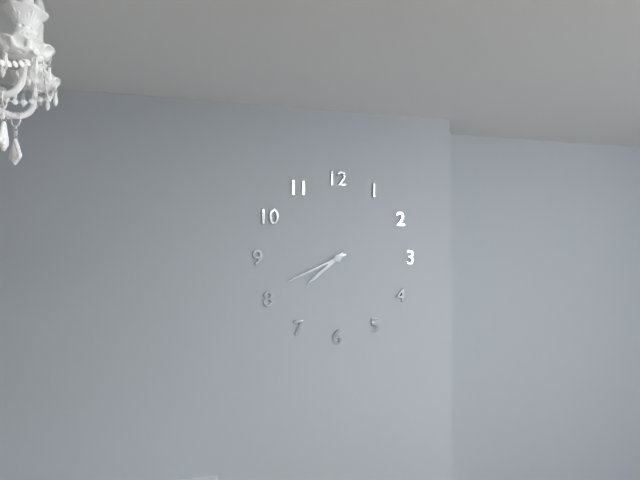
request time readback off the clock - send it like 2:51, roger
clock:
7:41
